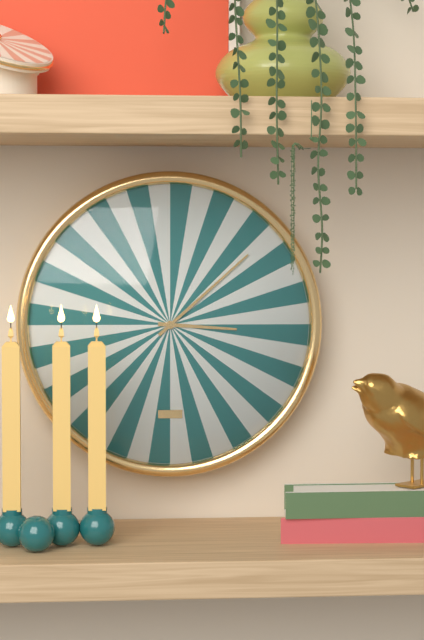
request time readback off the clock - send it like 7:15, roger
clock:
3:08
